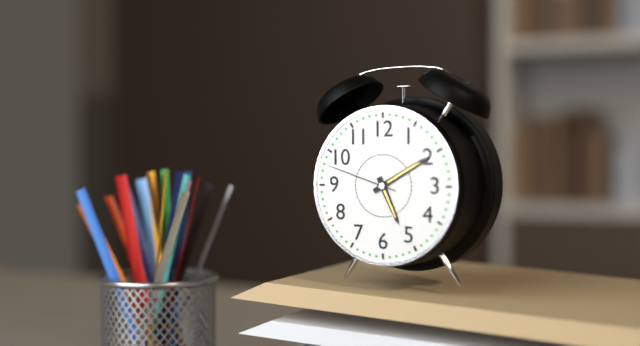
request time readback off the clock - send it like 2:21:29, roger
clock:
5:10:48
